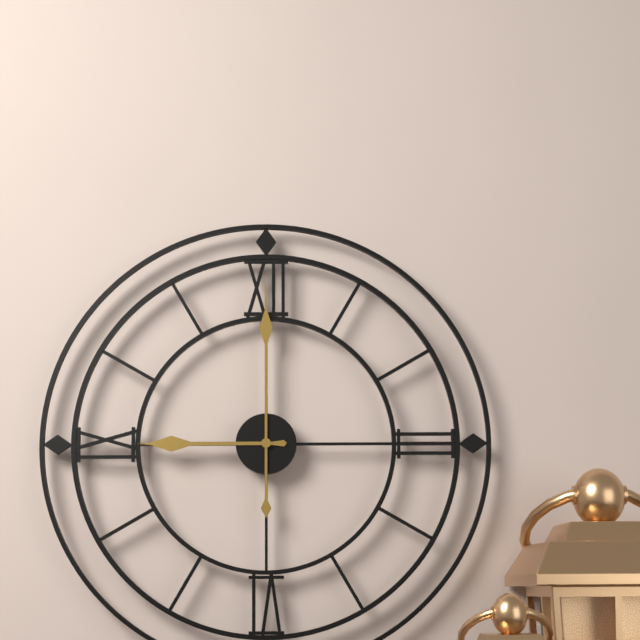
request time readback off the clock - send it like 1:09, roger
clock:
9:00
